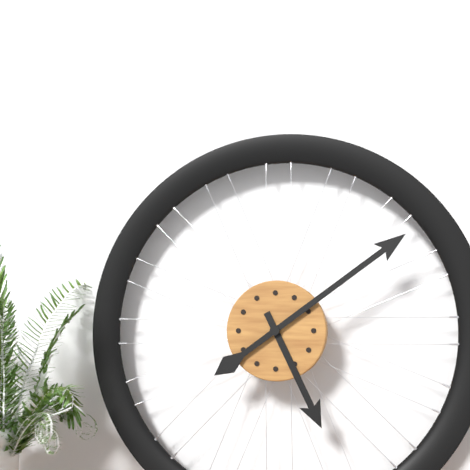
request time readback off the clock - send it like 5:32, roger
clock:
5:09
